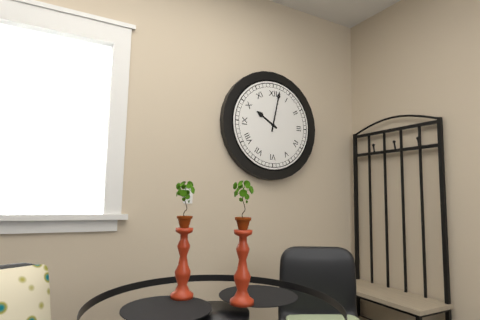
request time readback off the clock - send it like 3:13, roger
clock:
10:02
